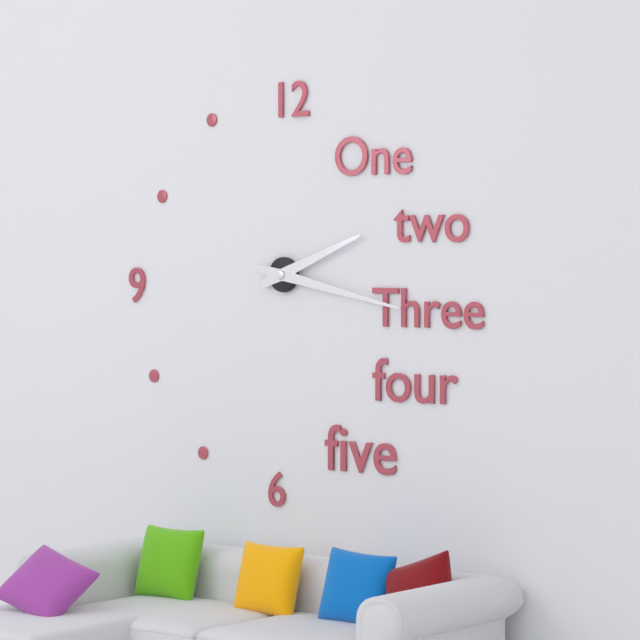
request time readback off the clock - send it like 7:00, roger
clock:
2:17
